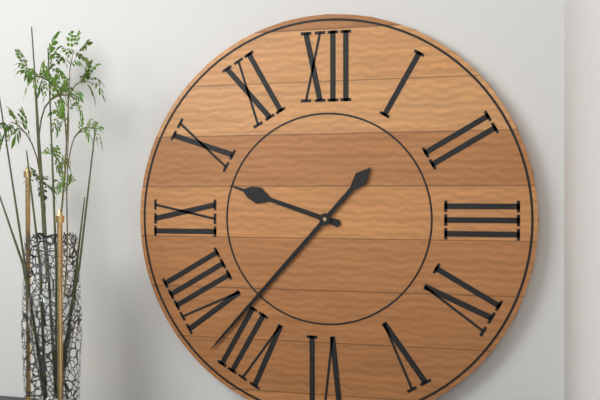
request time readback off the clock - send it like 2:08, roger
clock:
9:37
